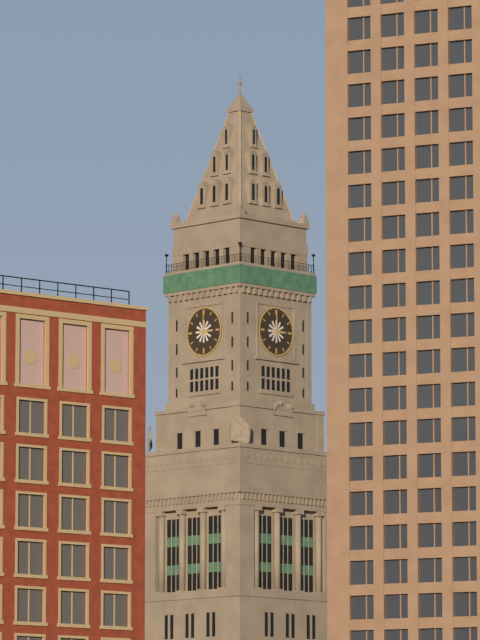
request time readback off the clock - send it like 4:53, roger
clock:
3:00
